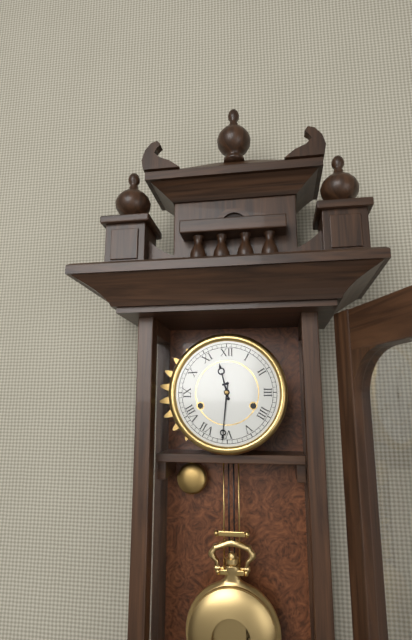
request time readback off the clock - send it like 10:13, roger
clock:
11:31
